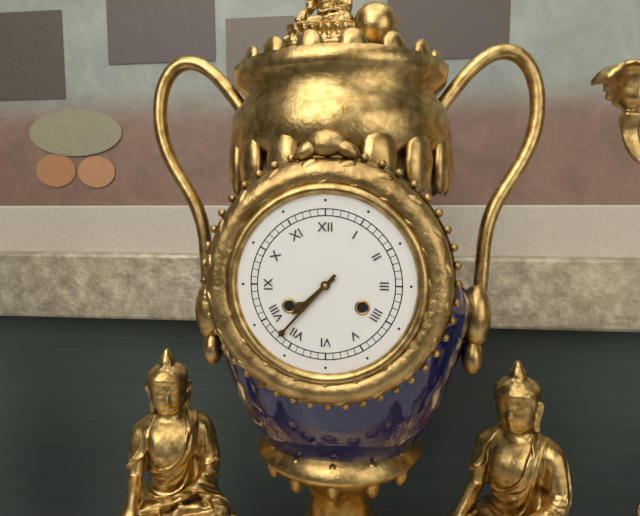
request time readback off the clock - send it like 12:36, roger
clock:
7:37
